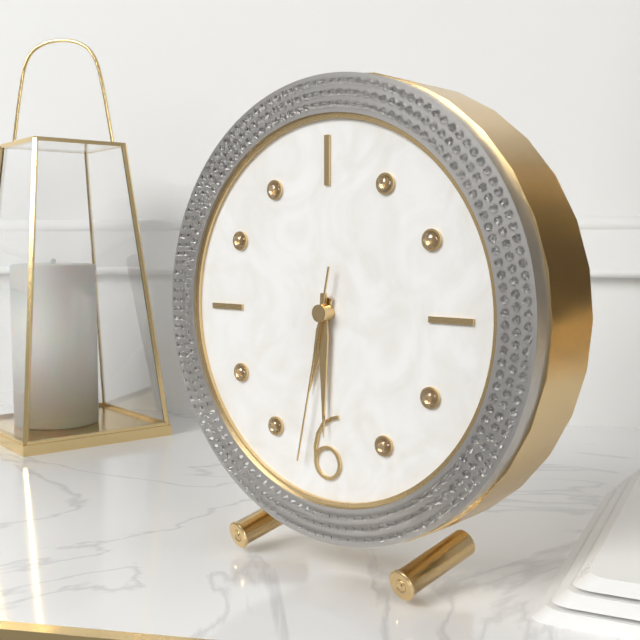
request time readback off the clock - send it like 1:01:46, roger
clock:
6:30:32
